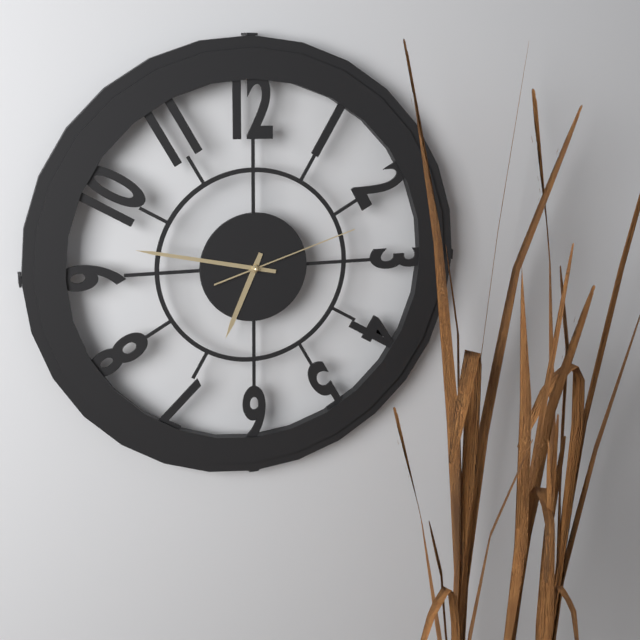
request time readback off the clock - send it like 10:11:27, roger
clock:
6:47:12
